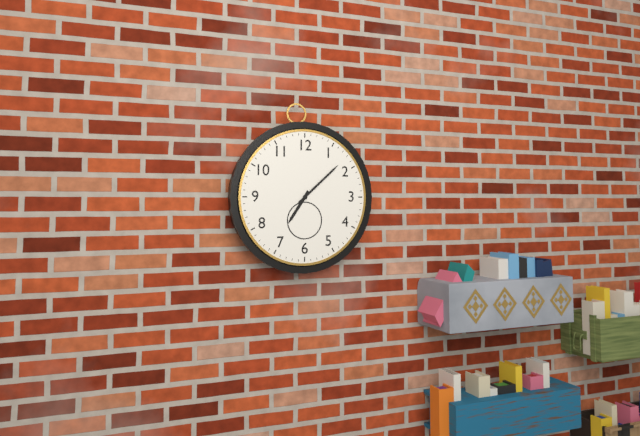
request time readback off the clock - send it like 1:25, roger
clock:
7:08
